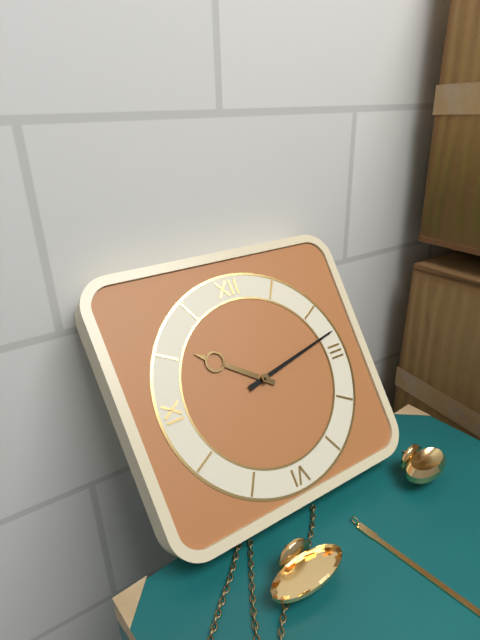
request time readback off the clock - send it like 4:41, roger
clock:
10:13
